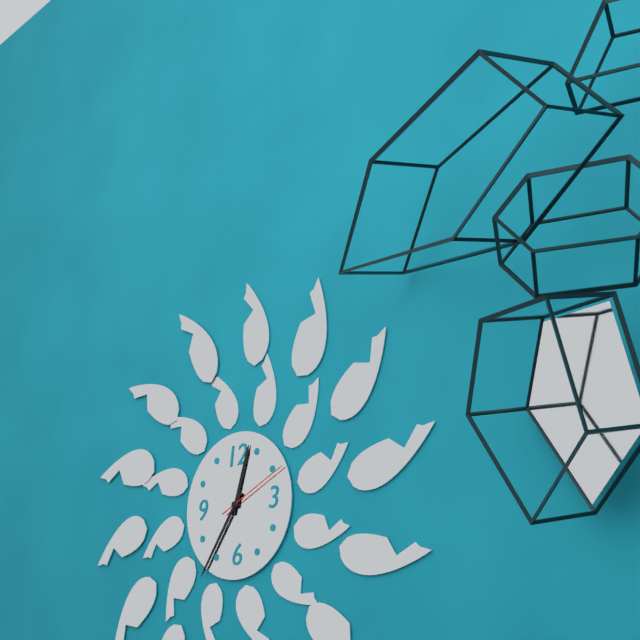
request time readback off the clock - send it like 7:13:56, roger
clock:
12:36:11
